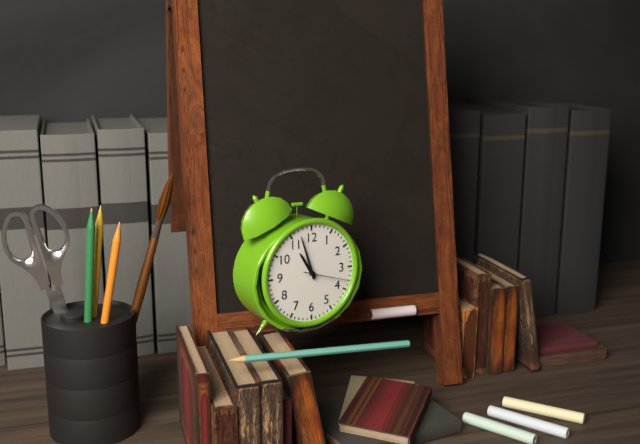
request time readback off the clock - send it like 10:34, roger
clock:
10:57
